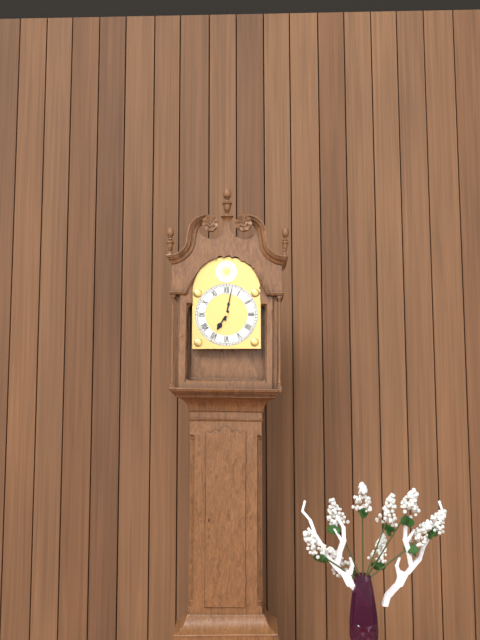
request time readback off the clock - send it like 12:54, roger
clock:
7:02
